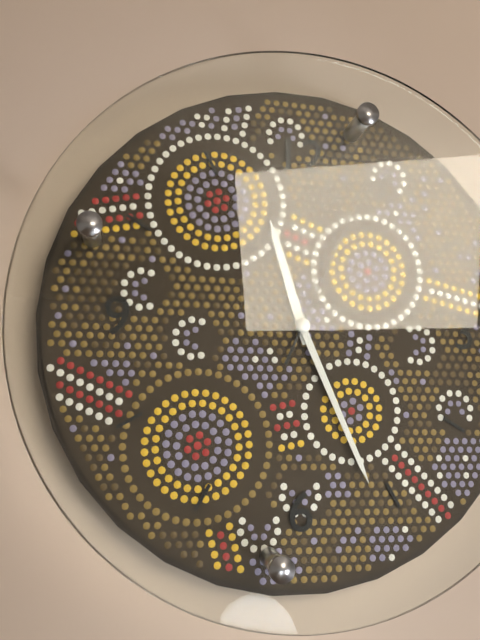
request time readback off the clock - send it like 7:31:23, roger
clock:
11:26:04
